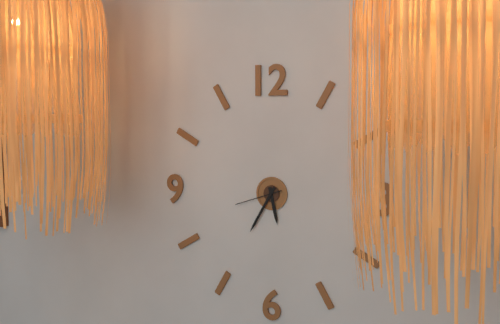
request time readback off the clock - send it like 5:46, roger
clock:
5:35
